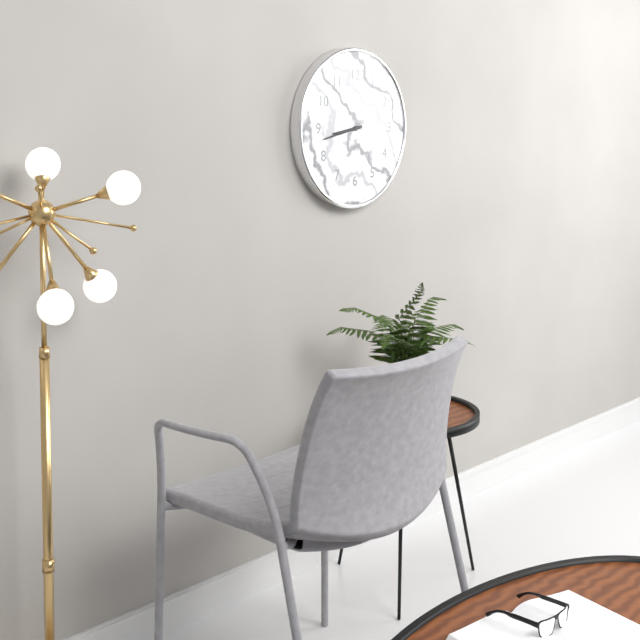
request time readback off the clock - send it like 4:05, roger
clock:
8:43
